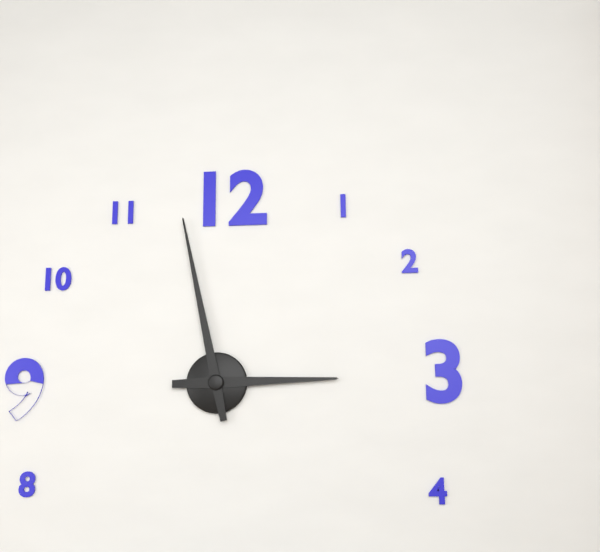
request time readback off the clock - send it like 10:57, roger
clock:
2:58
